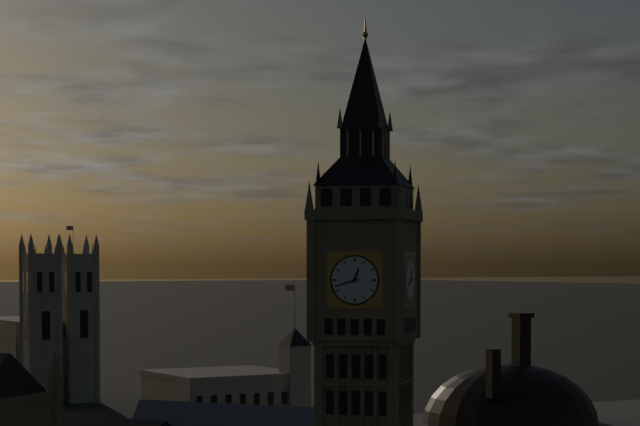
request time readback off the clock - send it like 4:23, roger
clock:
12:42
